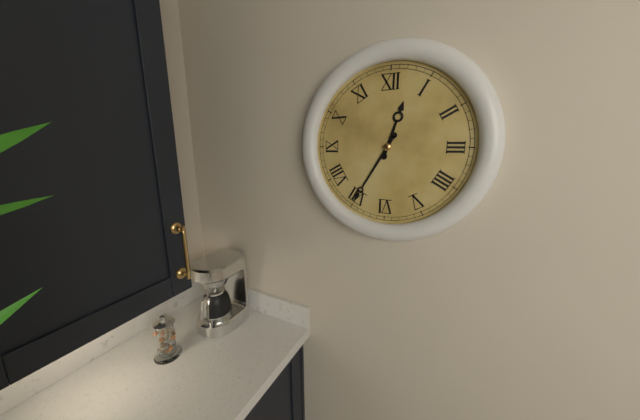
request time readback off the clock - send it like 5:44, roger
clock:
12:35
